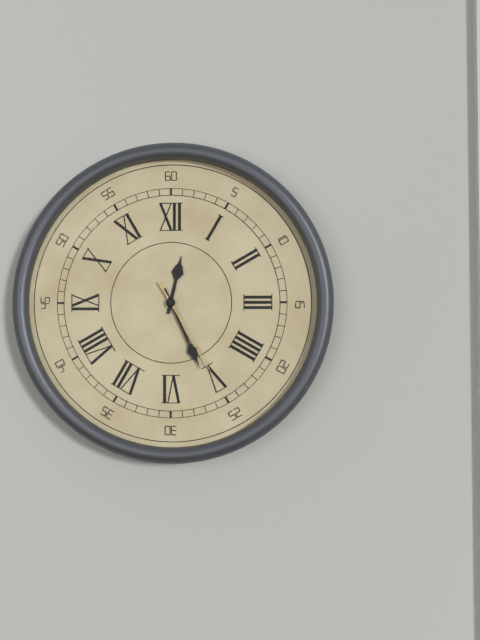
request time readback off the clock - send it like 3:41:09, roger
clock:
12:26:25
